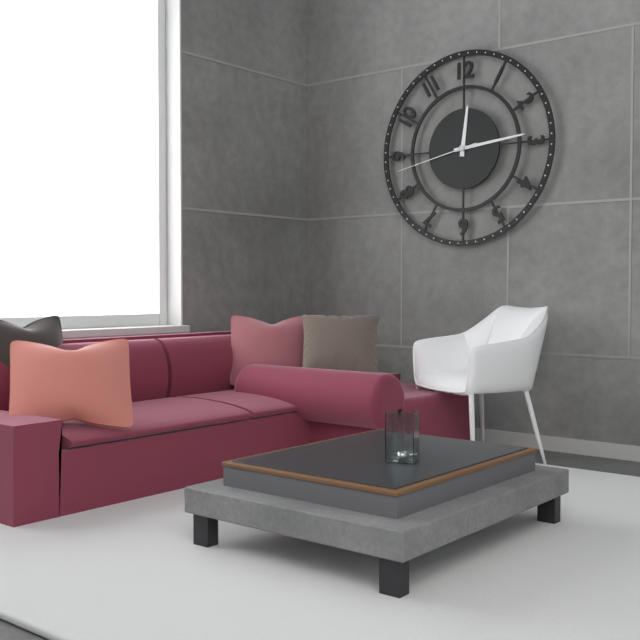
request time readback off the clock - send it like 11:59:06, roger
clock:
12:14:43
